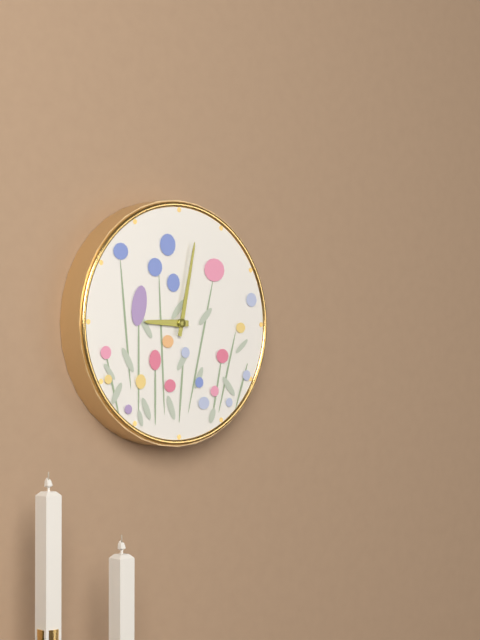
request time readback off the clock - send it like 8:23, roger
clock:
9:02
